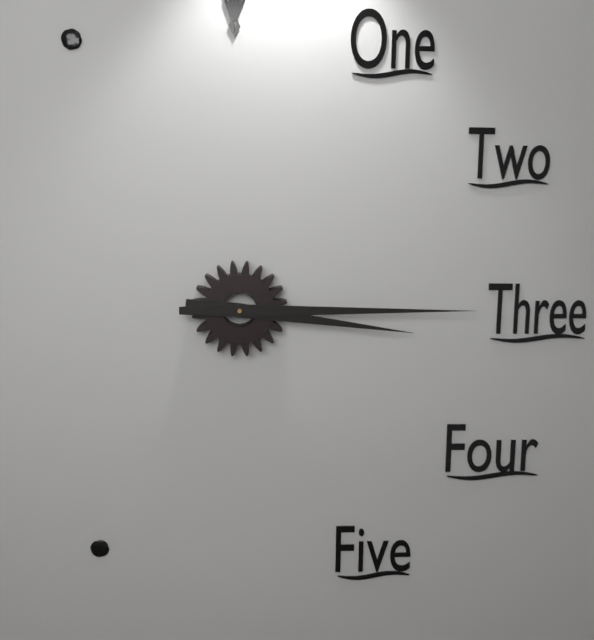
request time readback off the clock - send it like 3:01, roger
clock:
3:15
